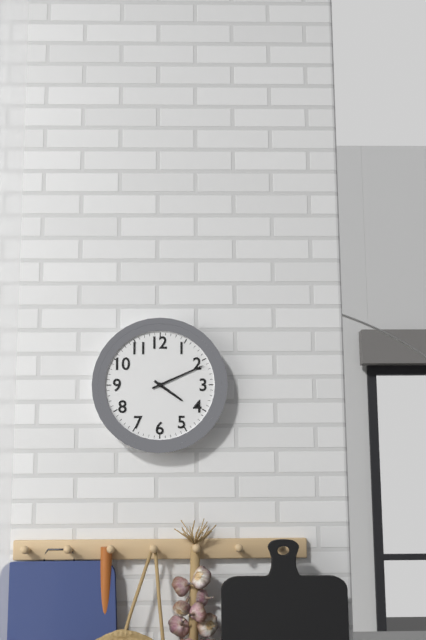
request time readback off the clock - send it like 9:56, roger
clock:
4:11
